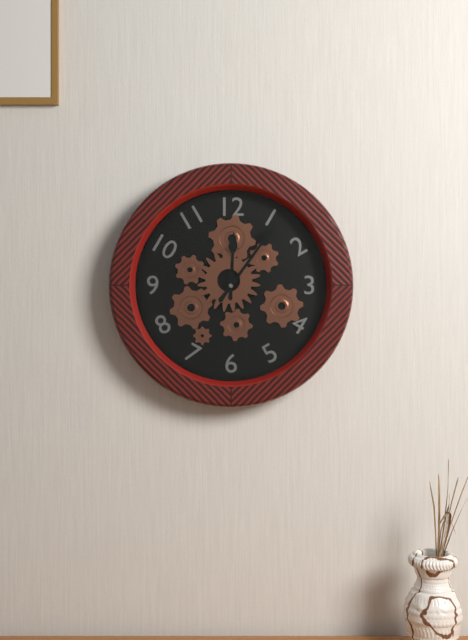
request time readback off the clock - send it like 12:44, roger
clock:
12:06
